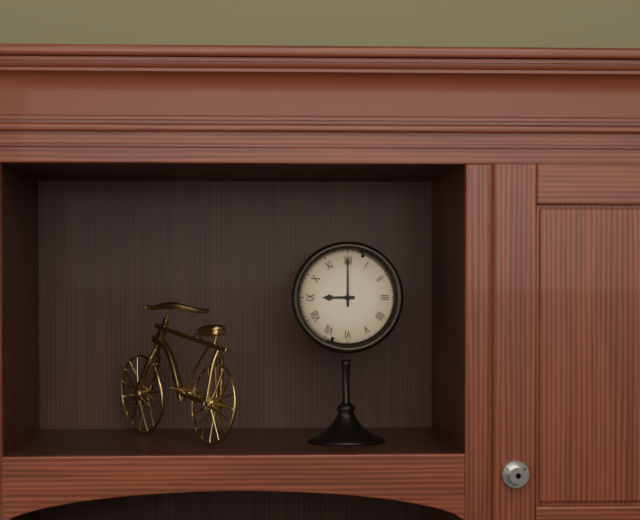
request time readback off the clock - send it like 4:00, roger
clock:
9:00
